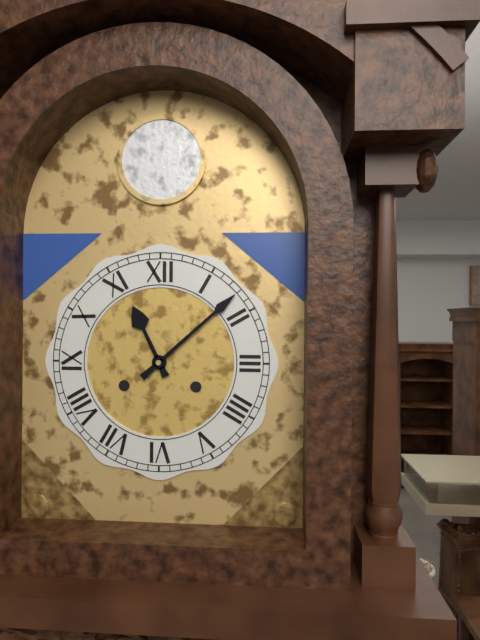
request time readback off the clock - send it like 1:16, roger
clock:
11:08
